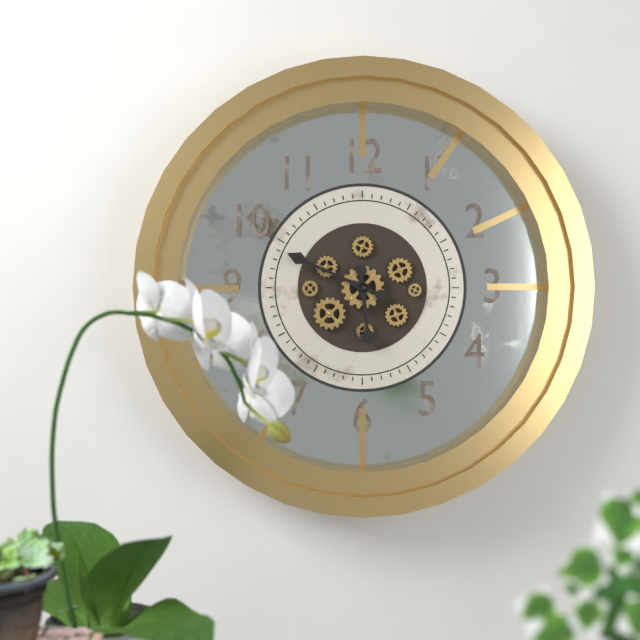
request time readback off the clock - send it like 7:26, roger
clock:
5:49
